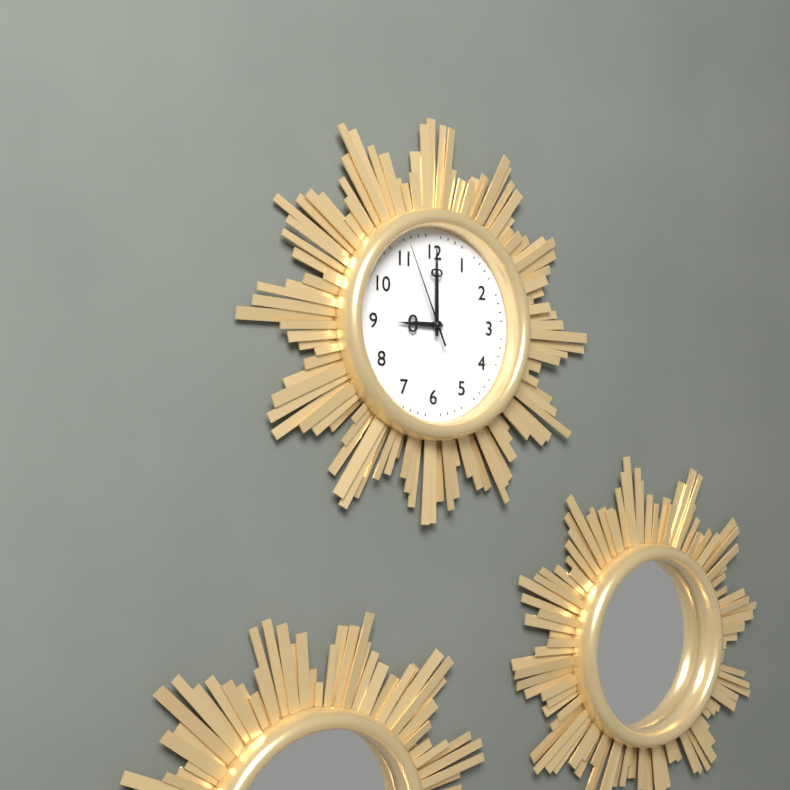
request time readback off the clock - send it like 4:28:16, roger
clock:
9:00:56
